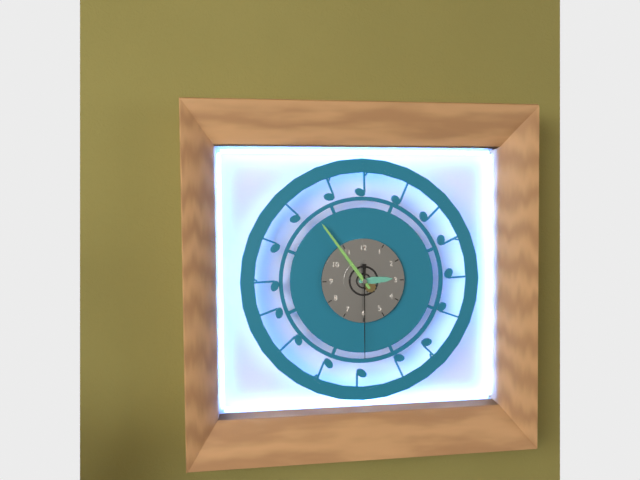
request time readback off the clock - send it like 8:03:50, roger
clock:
2:54:30
